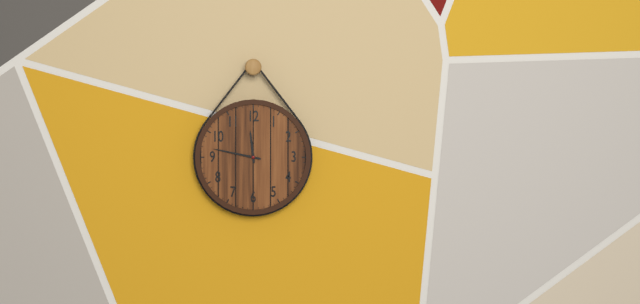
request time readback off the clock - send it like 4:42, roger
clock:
11:47
